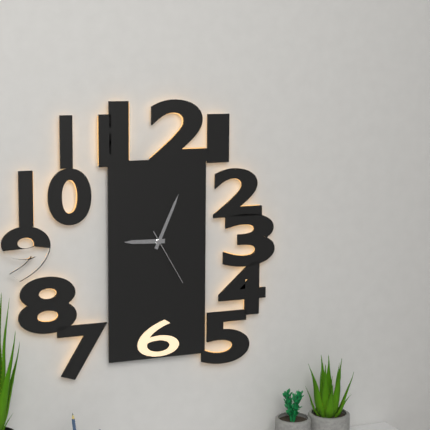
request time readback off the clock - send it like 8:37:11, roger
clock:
9:04:25
